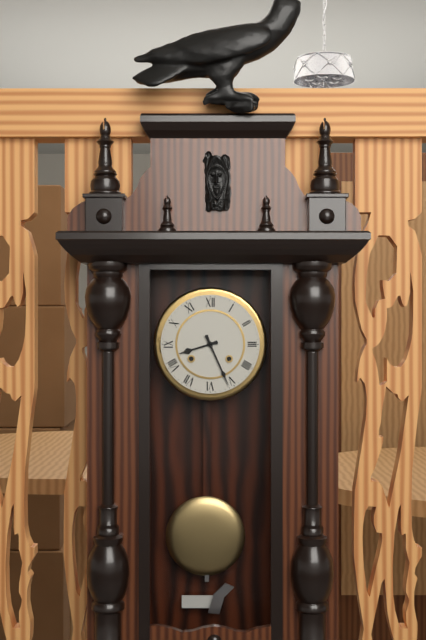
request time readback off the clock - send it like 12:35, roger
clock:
8:26
